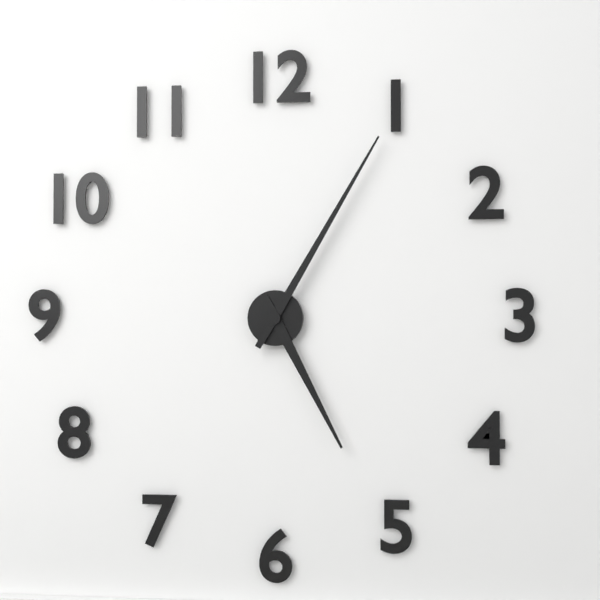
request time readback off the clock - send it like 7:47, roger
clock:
5:05
